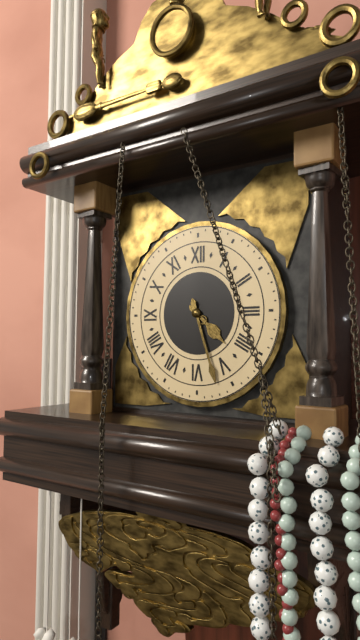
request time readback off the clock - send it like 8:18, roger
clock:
4:27
